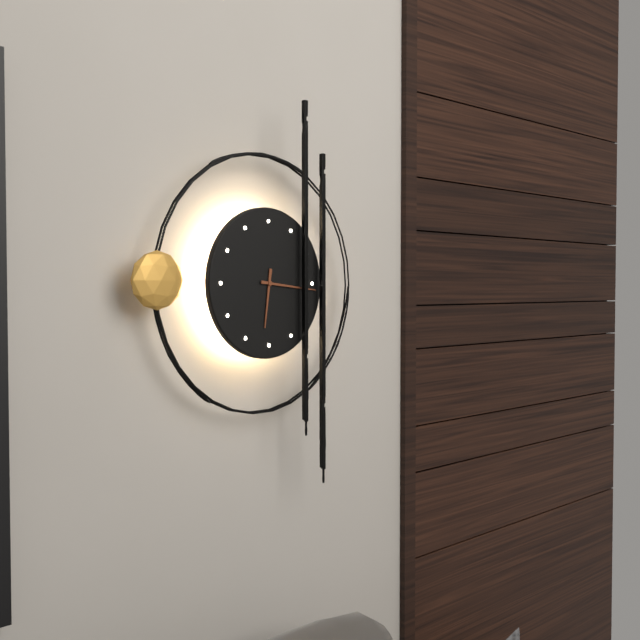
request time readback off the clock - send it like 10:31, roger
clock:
6:16
